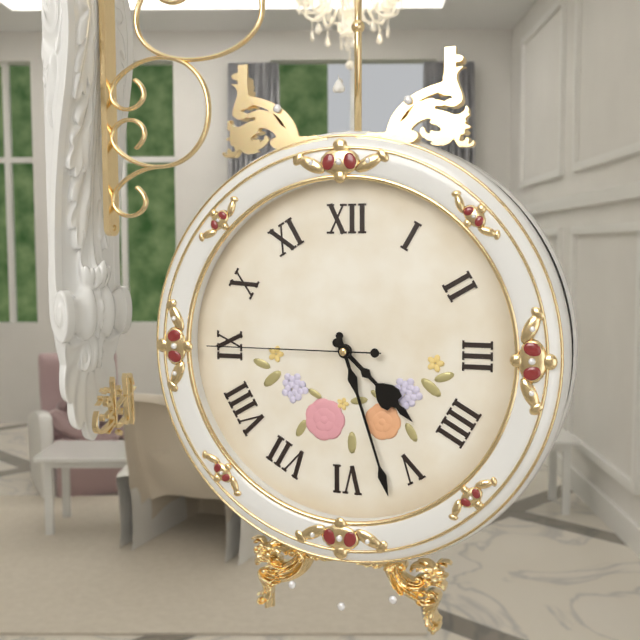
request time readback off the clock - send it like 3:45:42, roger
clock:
4:27:45
